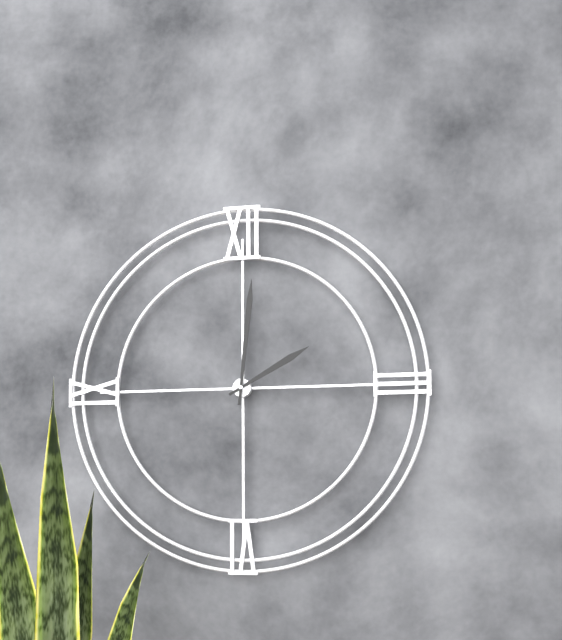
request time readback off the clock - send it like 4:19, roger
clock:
2:01
